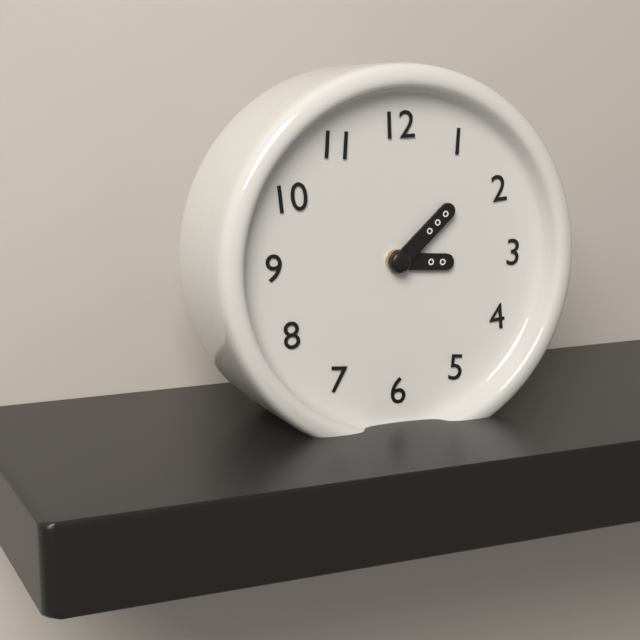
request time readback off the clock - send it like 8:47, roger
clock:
3:08
